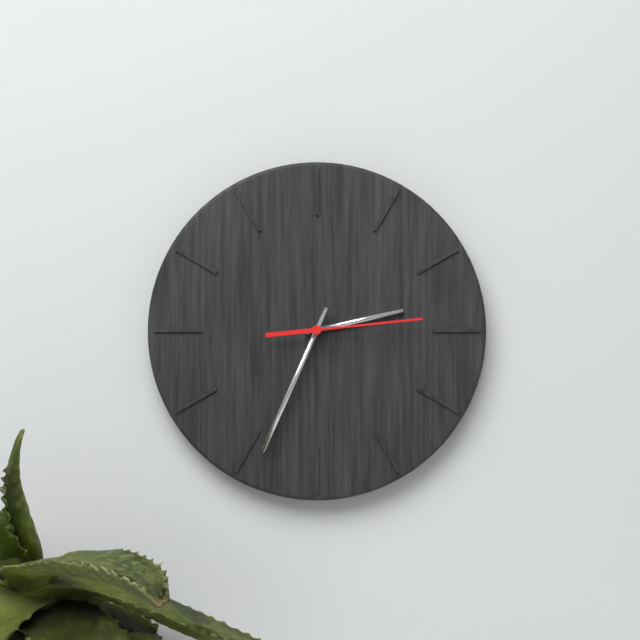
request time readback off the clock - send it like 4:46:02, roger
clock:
2:34:14
